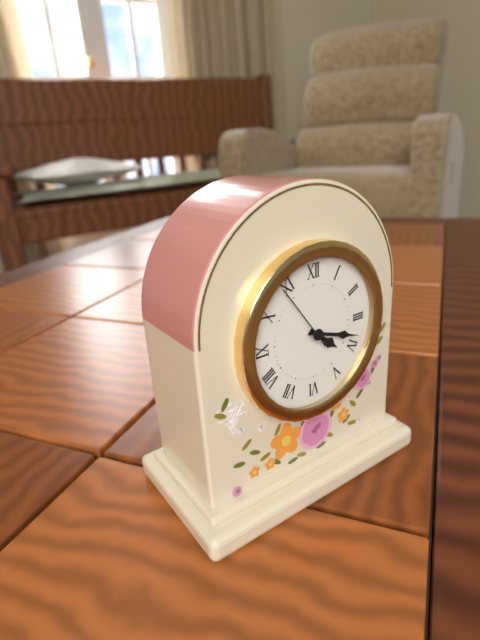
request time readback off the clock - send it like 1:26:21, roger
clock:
4:18:54
